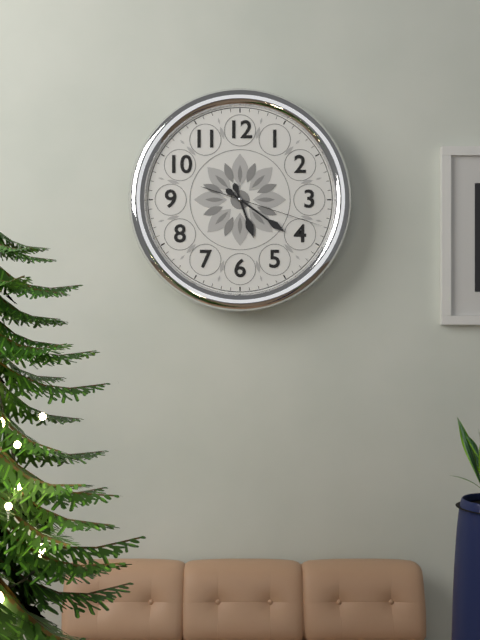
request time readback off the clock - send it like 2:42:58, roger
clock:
5:21:18
